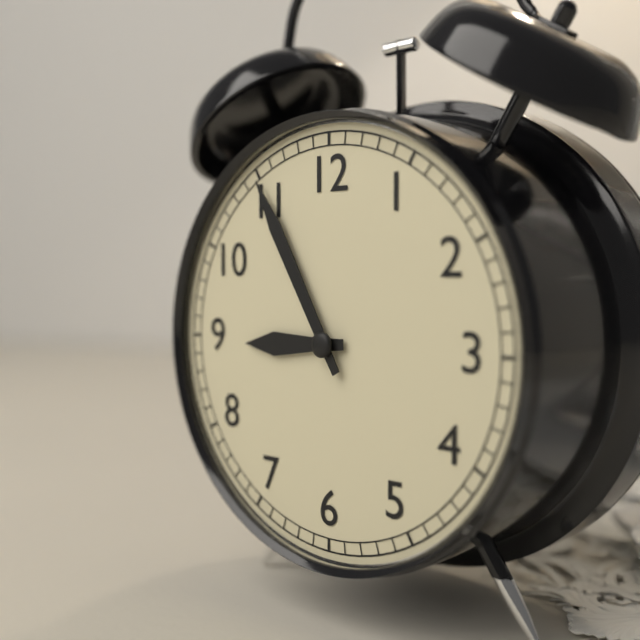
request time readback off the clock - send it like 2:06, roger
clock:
8:55
